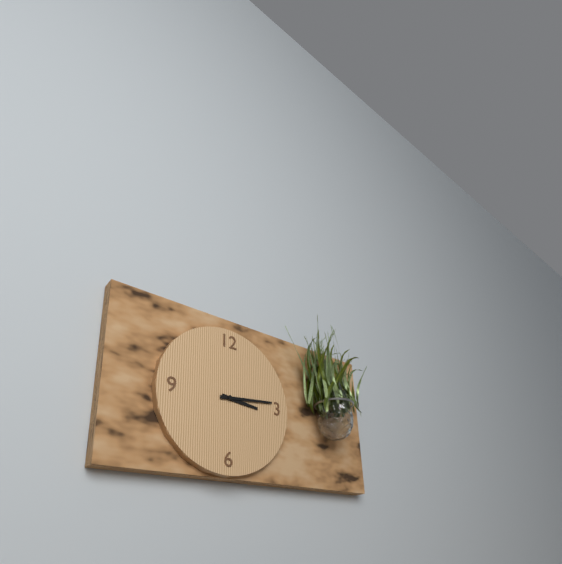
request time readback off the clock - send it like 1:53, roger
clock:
3:14
